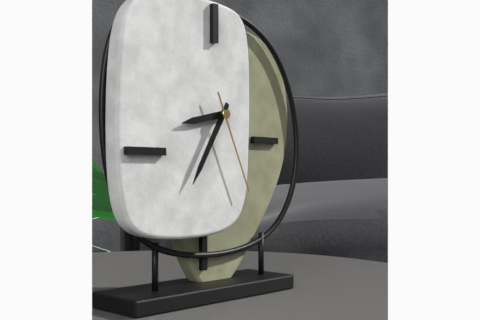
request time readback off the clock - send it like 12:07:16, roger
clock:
8:35:26
